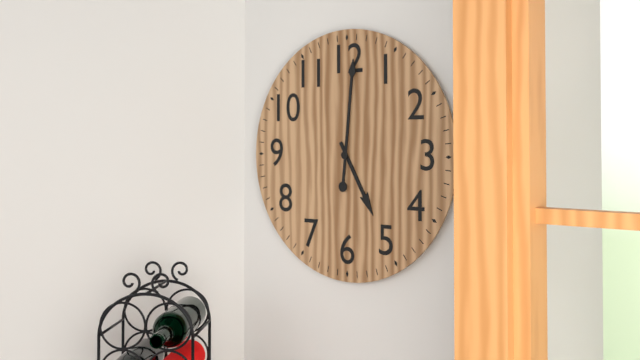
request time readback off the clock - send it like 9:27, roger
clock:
5:01
